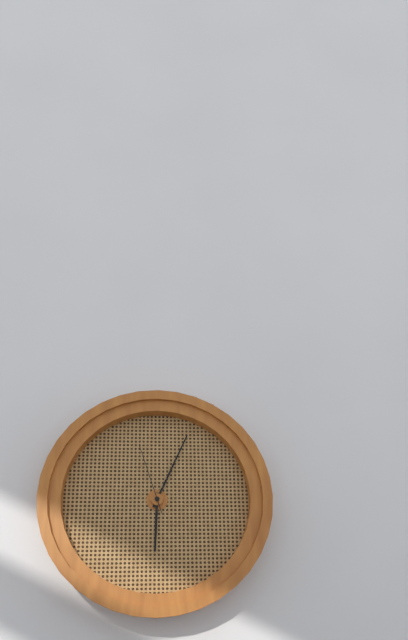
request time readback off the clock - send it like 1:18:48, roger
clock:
6:04:57
